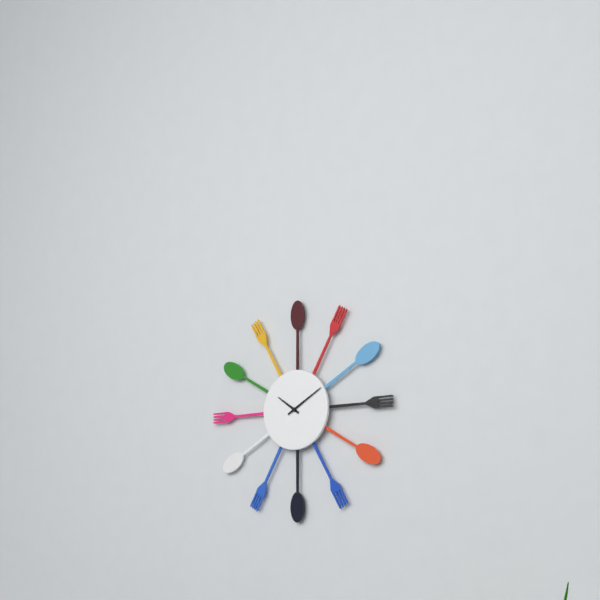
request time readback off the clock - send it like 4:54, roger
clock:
10:10
